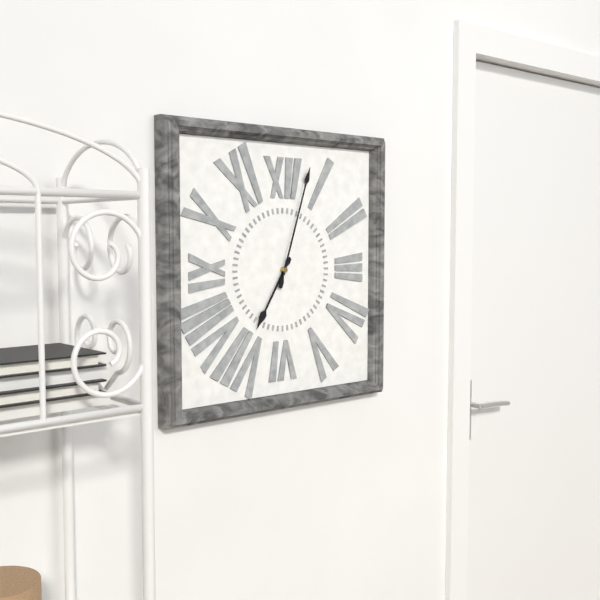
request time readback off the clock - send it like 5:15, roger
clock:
7:03
